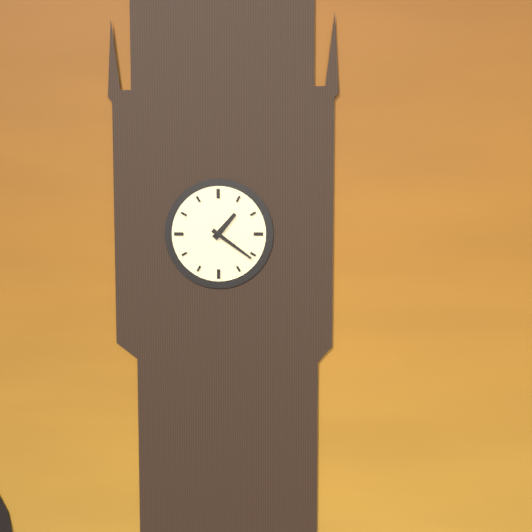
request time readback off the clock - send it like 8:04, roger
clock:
1:21
